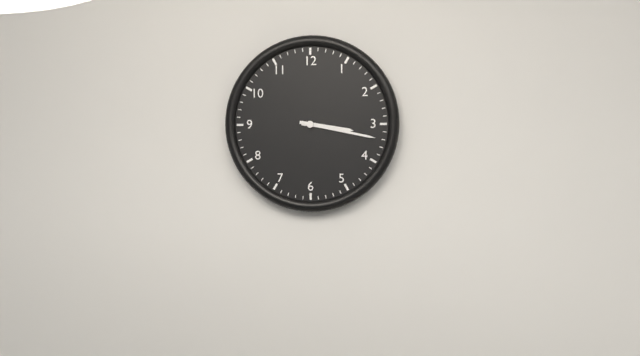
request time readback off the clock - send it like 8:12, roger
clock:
3:17
